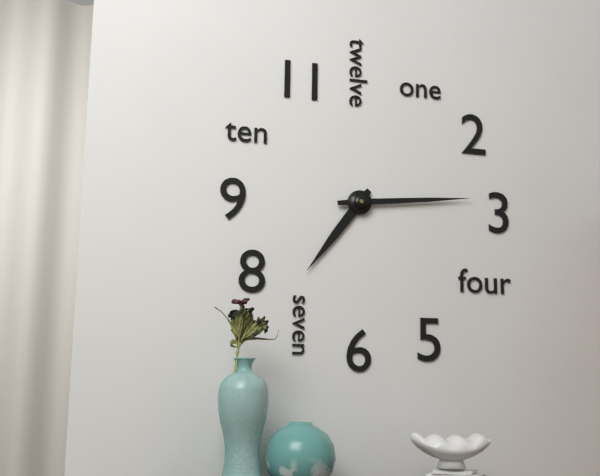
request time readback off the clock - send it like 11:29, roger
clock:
7:14
